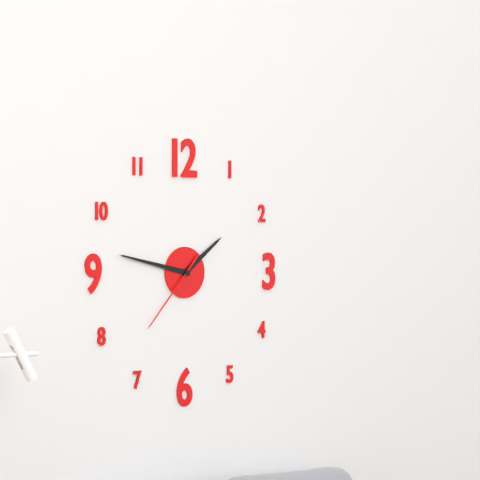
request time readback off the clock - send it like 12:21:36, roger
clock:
1:47:37
